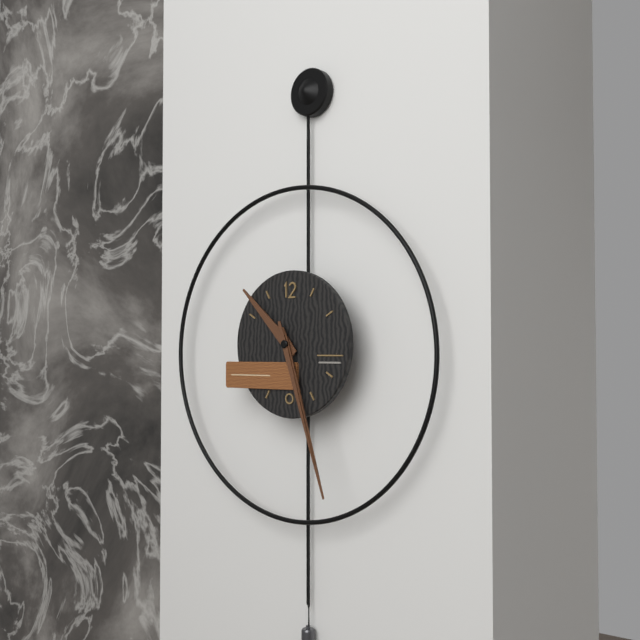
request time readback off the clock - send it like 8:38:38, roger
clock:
10:27:27
